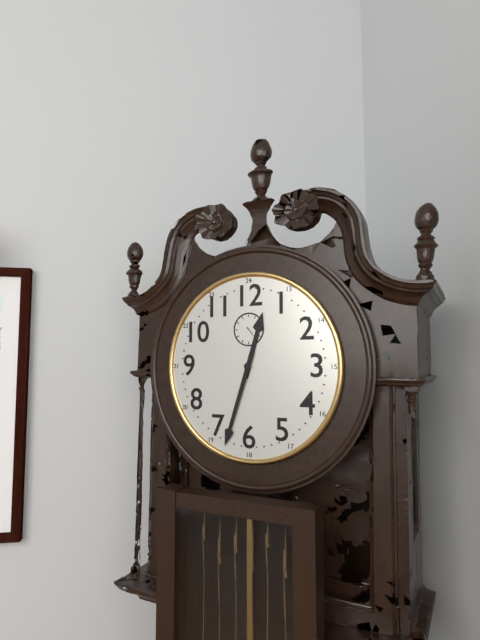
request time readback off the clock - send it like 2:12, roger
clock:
12:33
